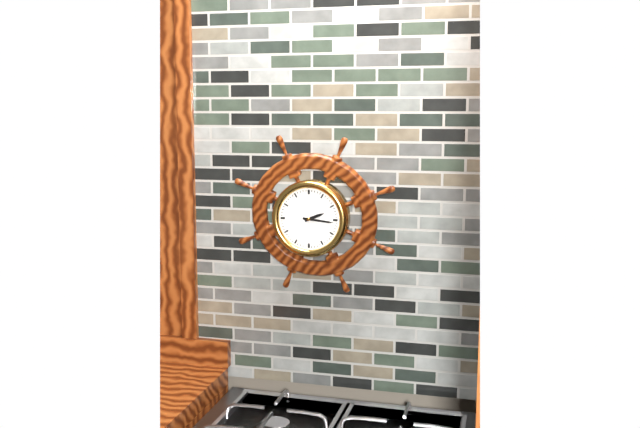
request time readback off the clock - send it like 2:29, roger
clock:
2:16
